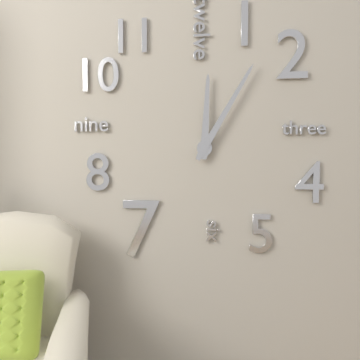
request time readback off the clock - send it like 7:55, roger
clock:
12:05
